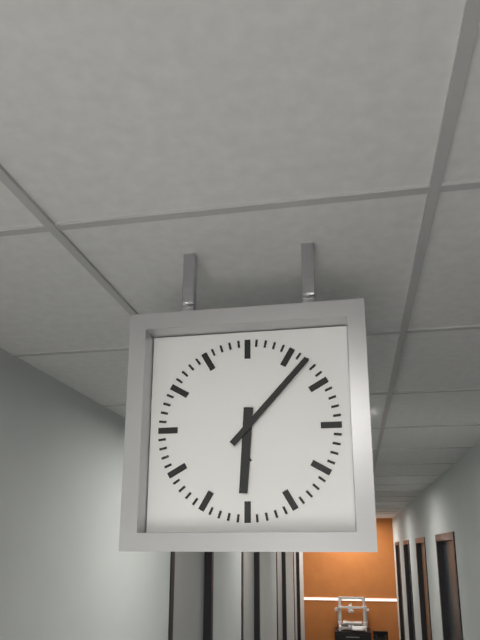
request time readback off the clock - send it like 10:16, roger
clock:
6:07
